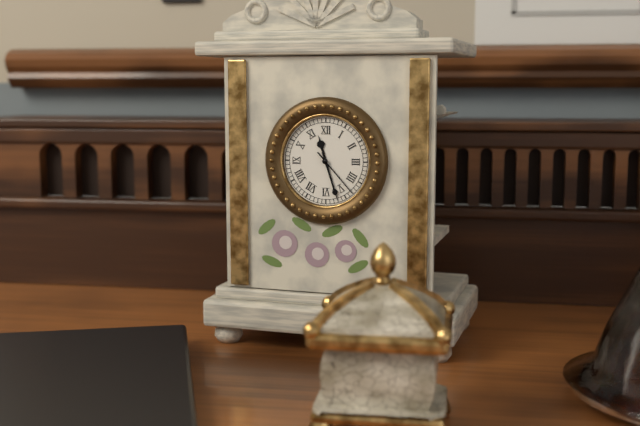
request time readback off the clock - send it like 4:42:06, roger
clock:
11:27:23
